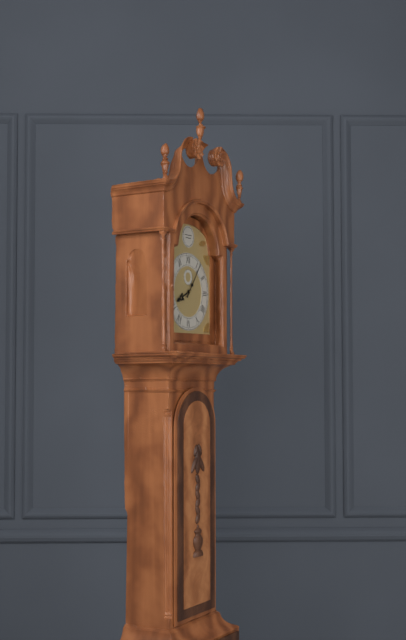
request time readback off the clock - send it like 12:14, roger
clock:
8:06
